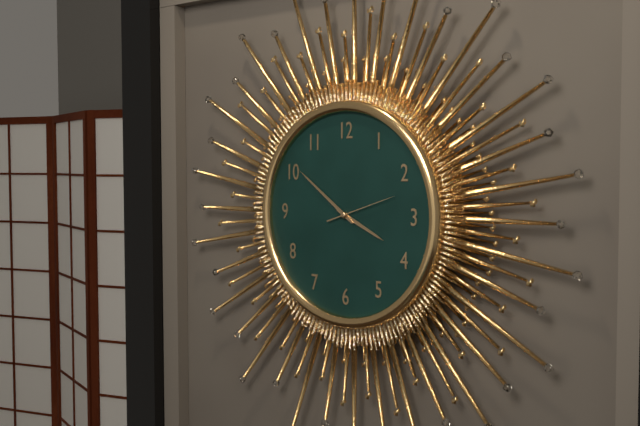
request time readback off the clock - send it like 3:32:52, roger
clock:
3:51:12
